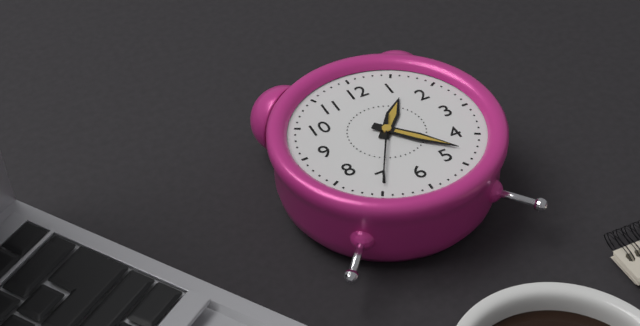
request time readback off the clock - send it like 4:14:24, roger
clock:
1:23:35
